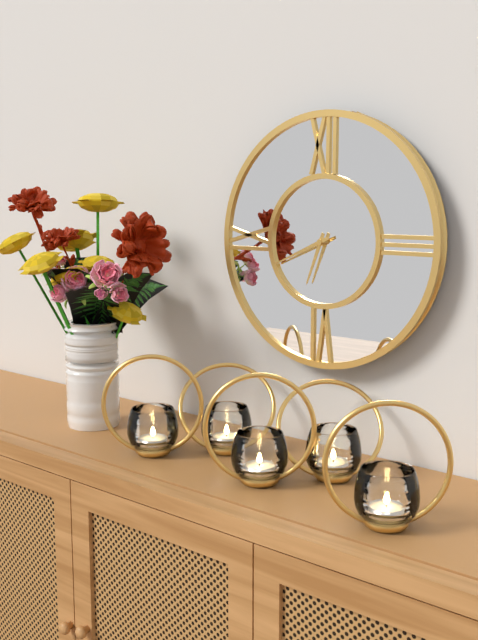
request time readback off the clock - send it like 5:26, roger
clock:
6:41
